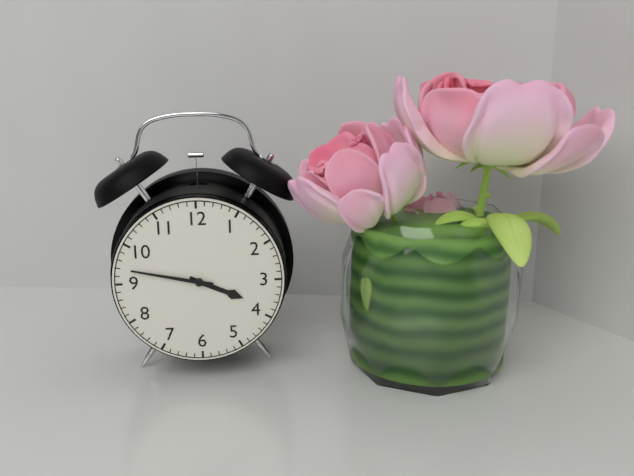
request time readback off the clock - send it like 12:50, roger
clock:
3:47
